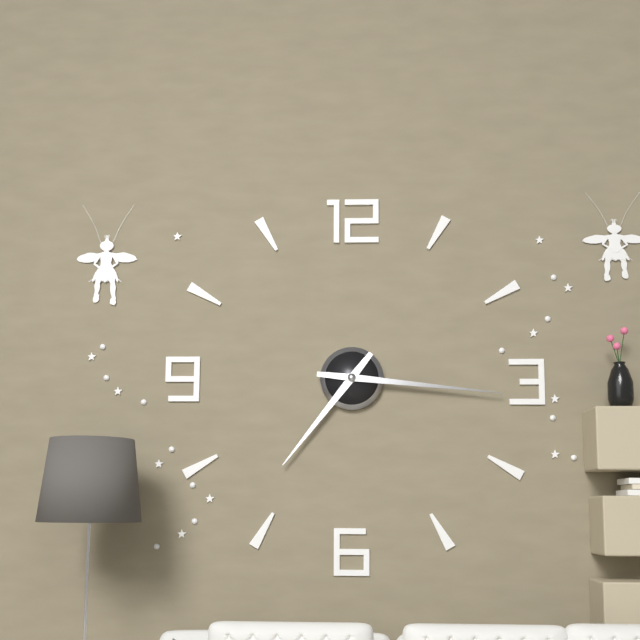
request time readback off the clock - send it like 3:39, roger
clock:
7:16
